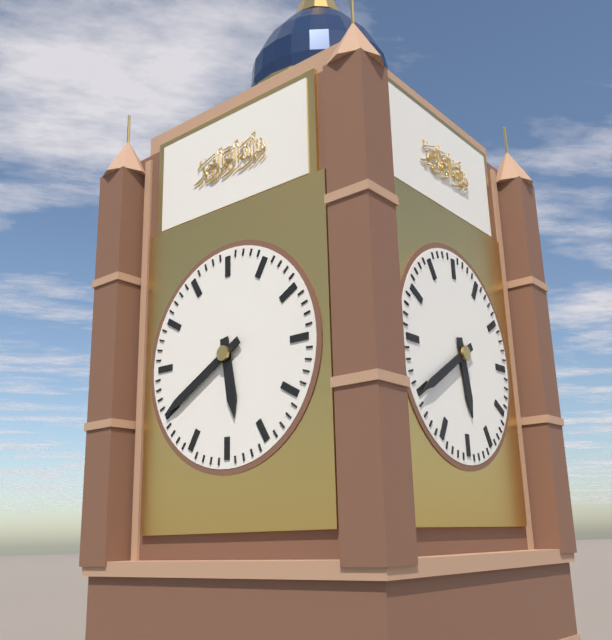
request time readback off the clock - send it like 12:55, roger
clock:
5:40
